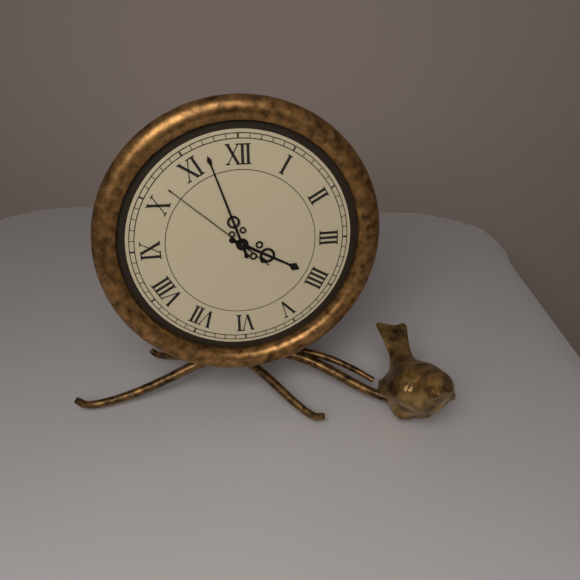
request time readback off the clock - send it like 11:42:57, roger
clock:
3:57:52
